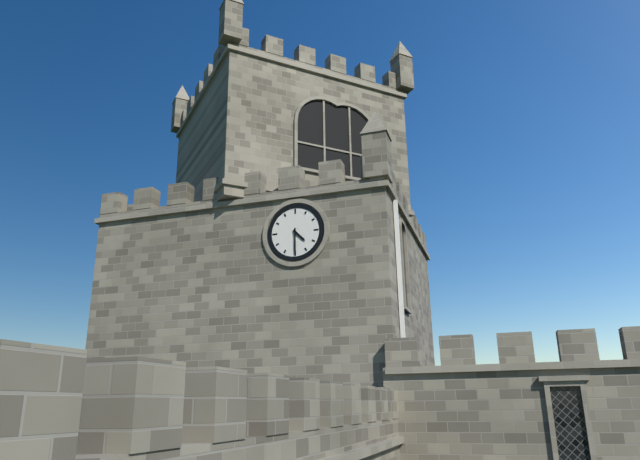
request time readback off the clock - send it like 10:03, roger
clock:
4:30
